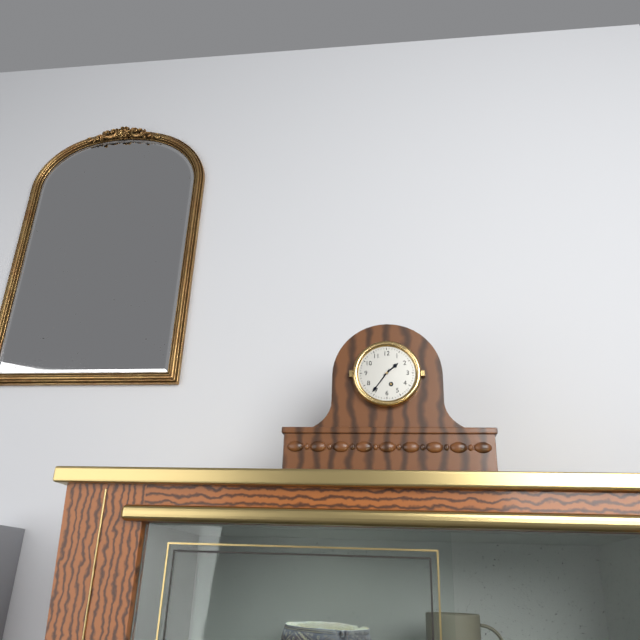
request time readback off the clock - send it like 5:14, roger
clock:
1:36
